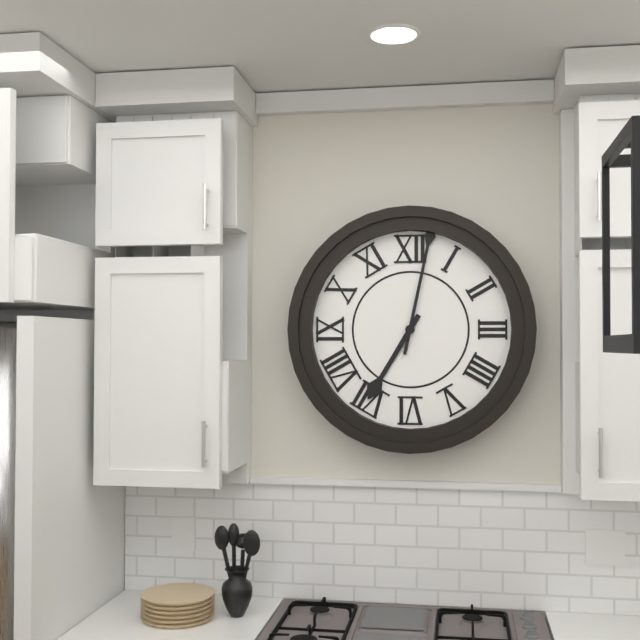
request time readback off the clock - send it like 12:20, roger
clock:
7:02
